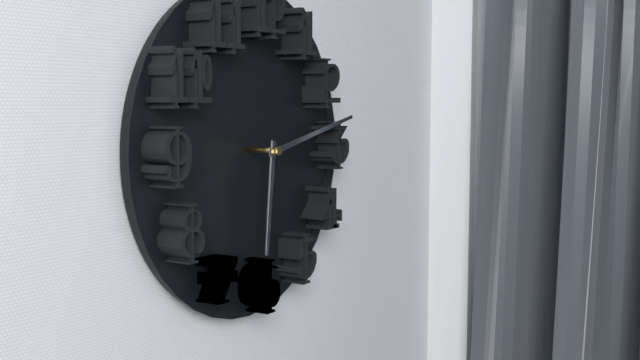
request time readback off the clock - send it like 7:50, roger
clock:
6:13
